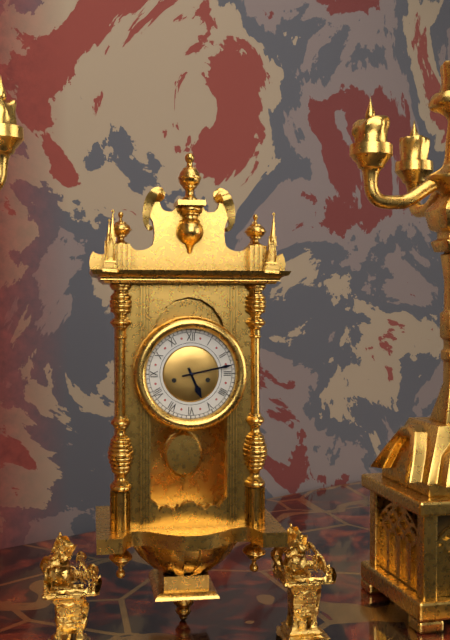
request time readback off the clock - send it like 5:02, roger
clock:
5:13
